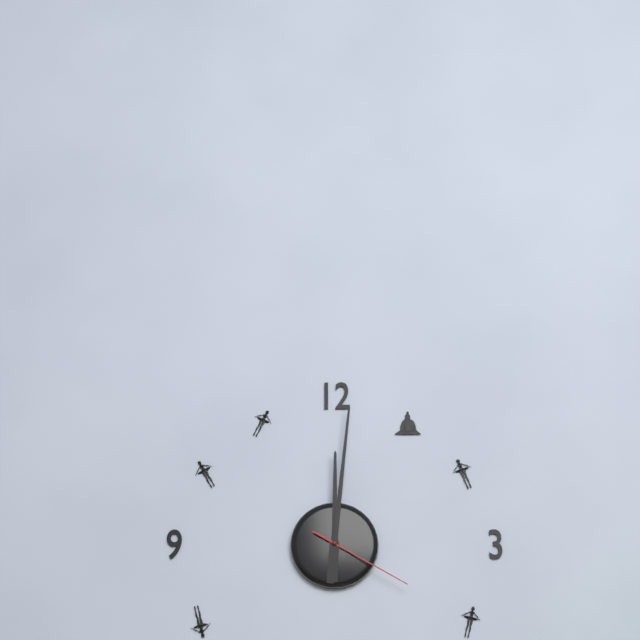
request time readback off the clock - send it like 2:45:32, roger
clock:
12:01:20
